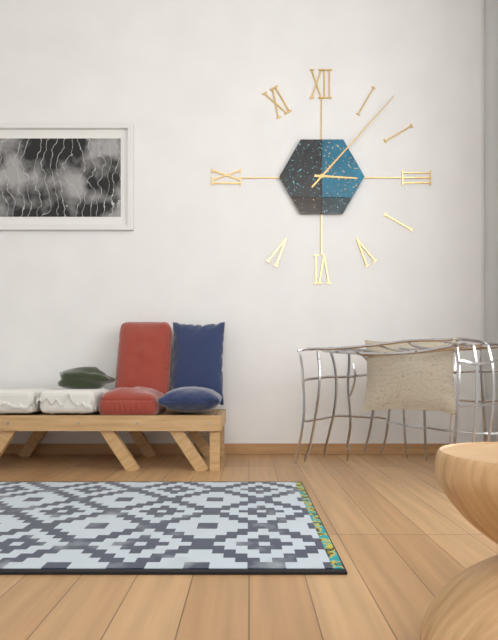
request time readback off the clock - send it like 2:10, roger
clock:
3:07
